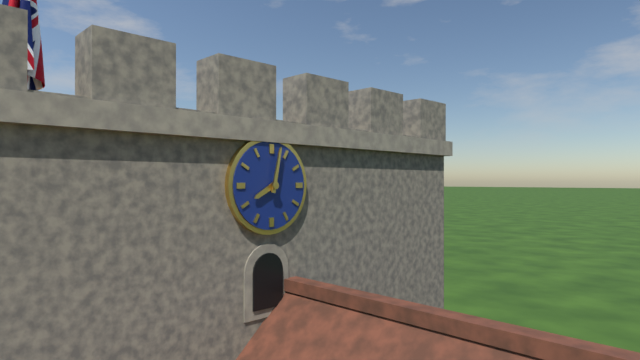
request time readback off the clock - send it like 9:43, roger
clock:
8:02
